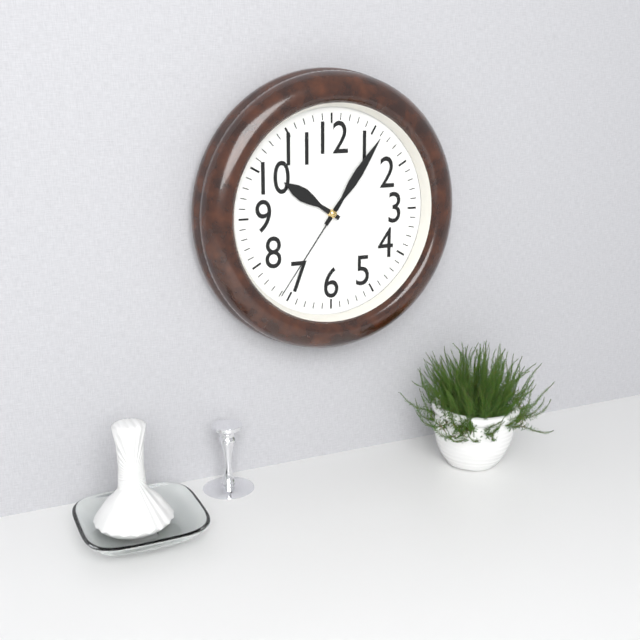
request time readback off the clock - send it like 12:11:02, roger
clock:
10:06:36
